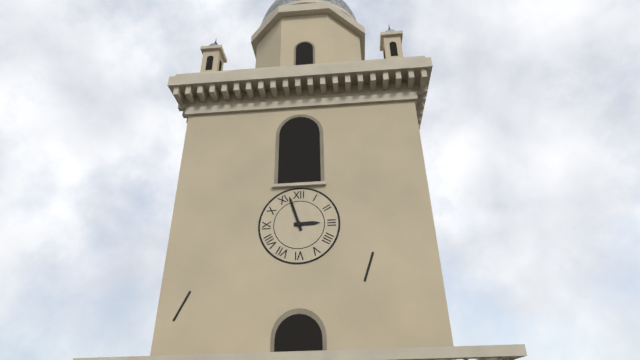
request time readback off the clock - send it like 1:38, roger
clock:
2:57
